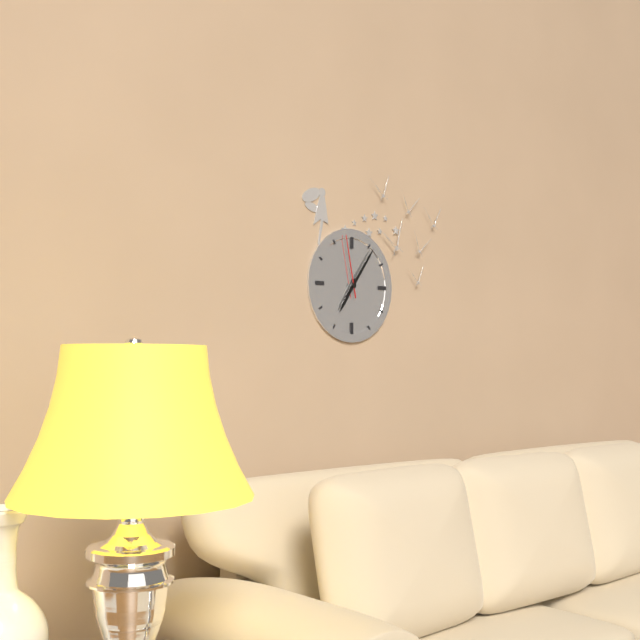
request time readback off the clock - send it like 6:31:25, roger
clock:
7:06:58
